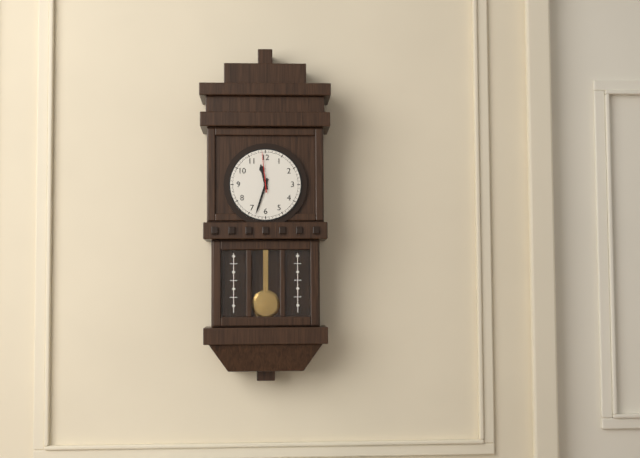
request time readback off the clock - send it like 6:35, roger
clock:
11:33
